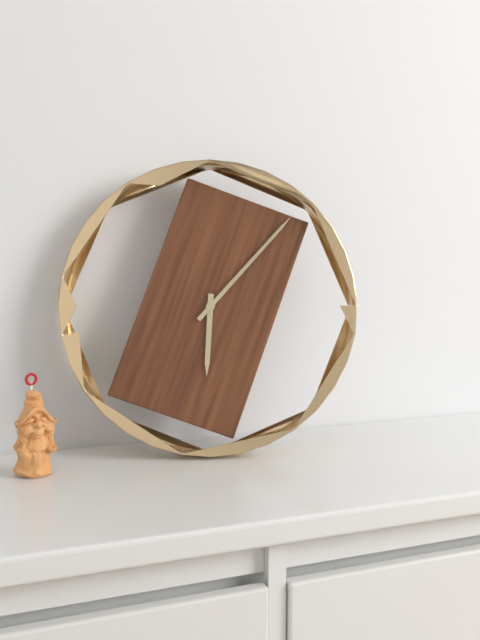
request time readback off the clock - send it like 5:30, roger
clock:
6:07
